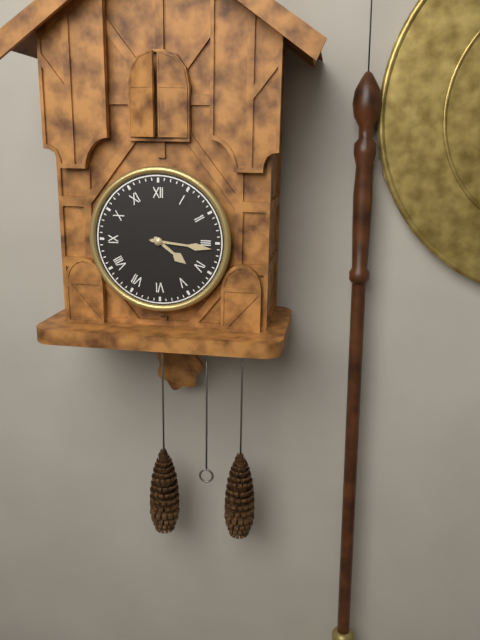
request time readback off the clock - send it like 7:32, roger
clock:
4:16
